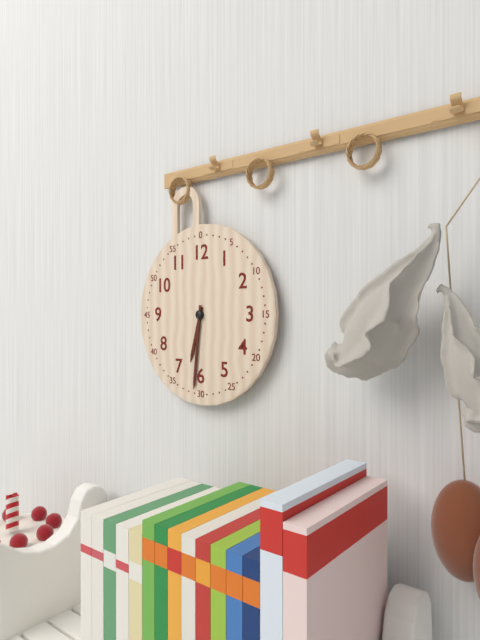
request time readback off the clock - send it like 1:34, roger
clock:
6:31
